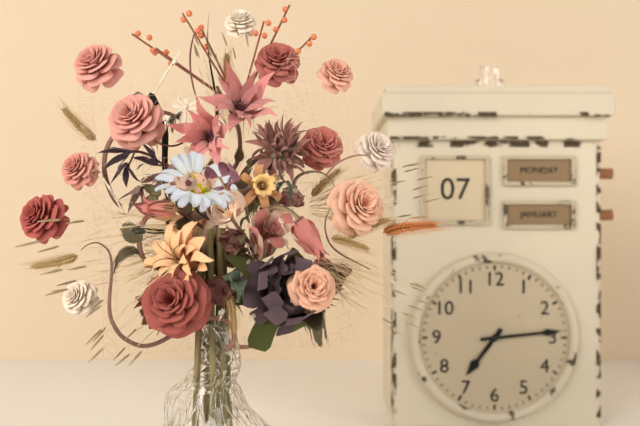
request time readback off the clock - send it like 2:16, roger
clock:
7:14
